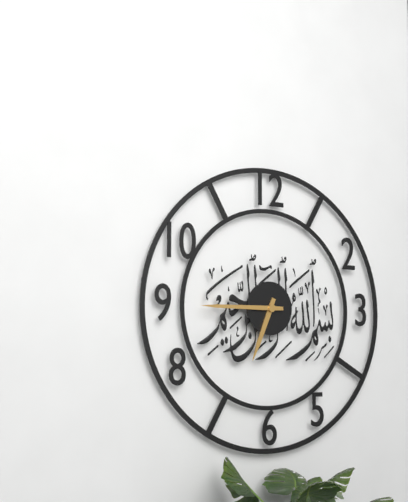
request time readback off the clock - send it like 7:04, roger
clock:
6:45
